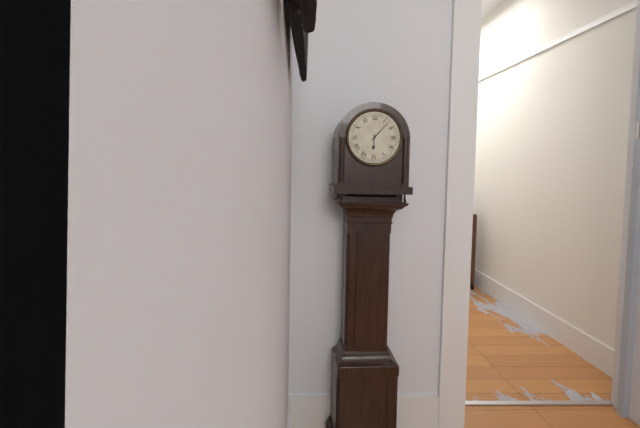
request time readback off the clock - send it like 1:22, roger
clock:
6:07
